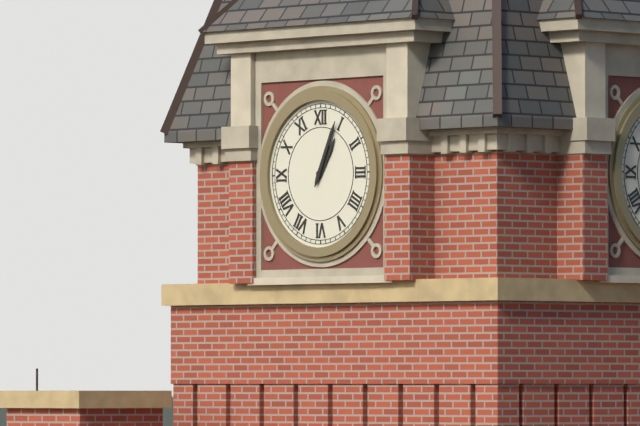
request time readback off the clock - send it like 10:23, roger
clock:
1:04
